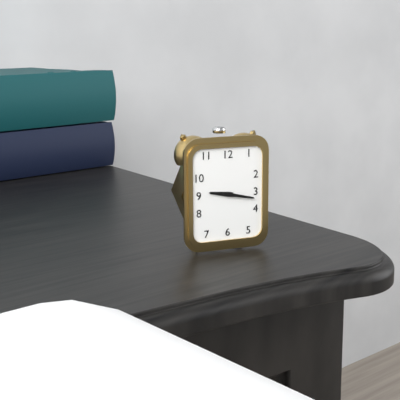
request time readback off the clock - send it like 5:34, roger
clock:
9:17
